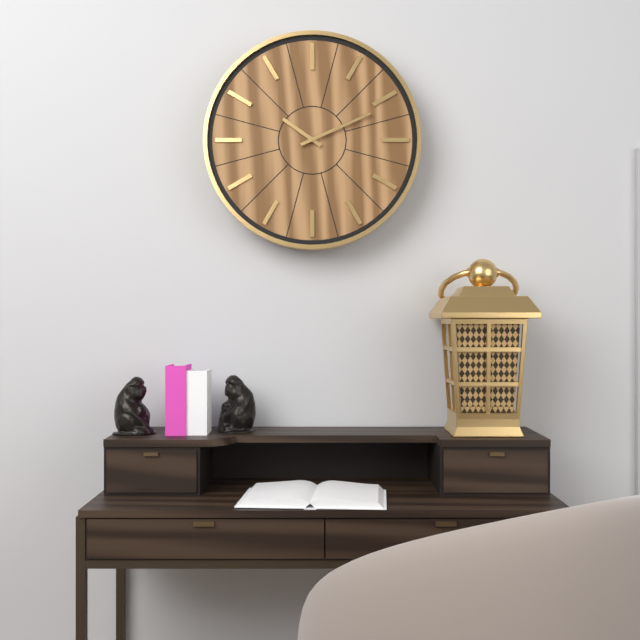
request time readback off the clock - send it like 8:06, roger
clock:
10:11
